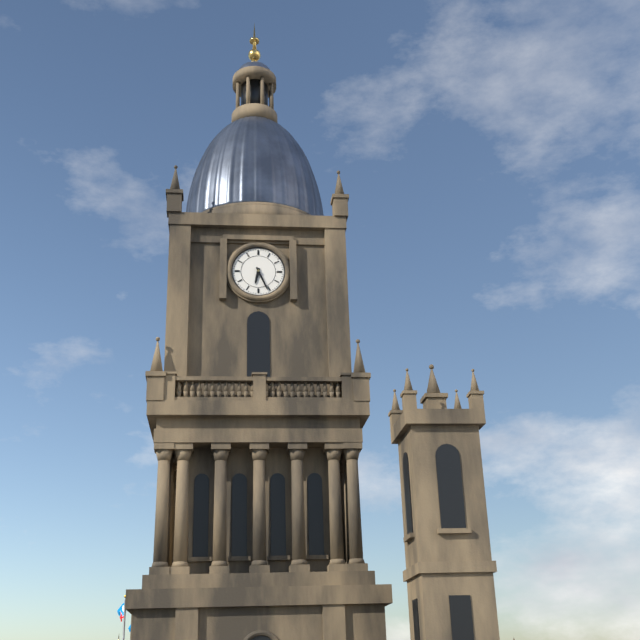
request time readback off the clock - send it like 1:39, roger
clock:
6:26
